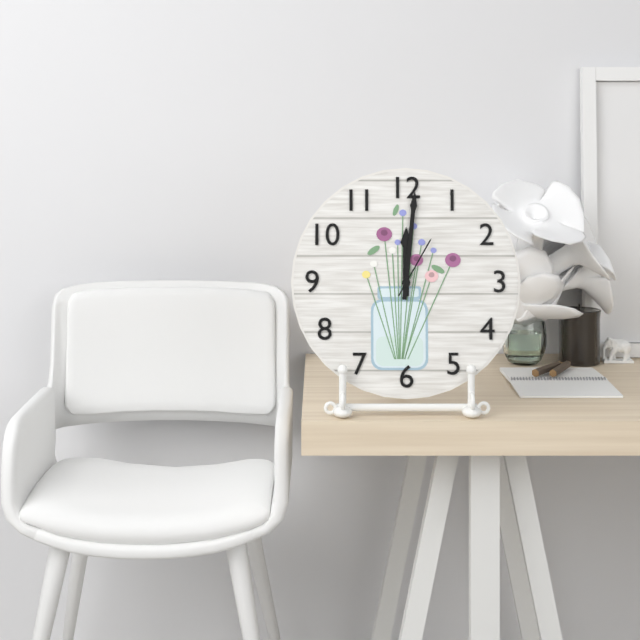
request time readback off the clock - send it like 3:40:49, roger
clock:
12:01:05
